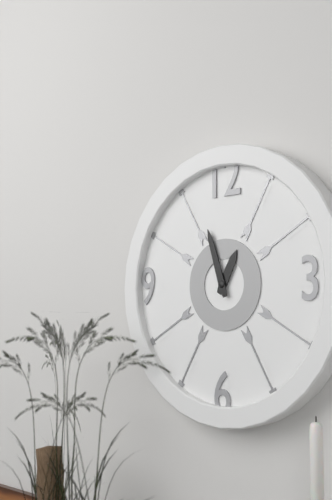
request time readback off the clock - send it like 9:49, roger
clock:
12:57
